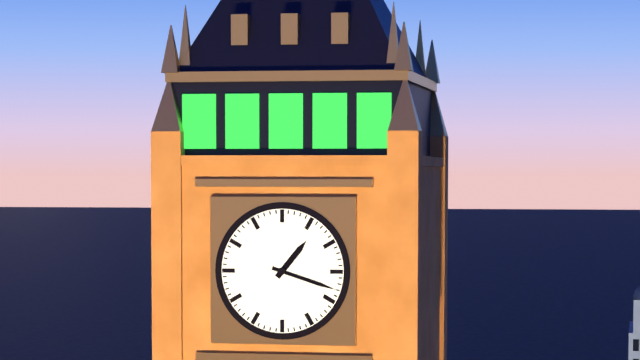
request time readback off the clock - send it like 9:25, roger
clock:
1:18
